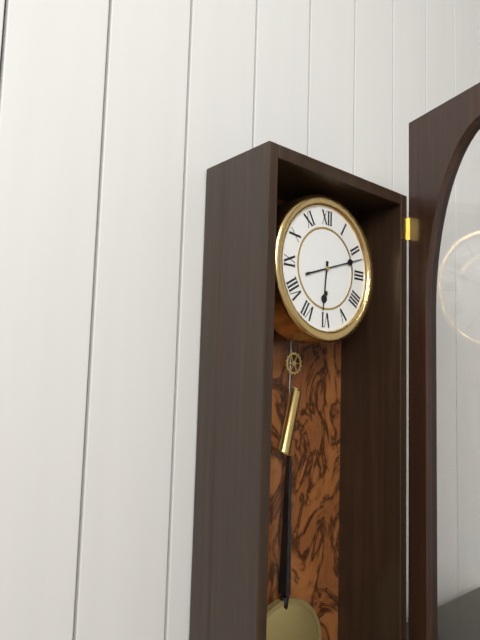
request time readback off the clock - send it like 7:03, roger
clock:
6:12
